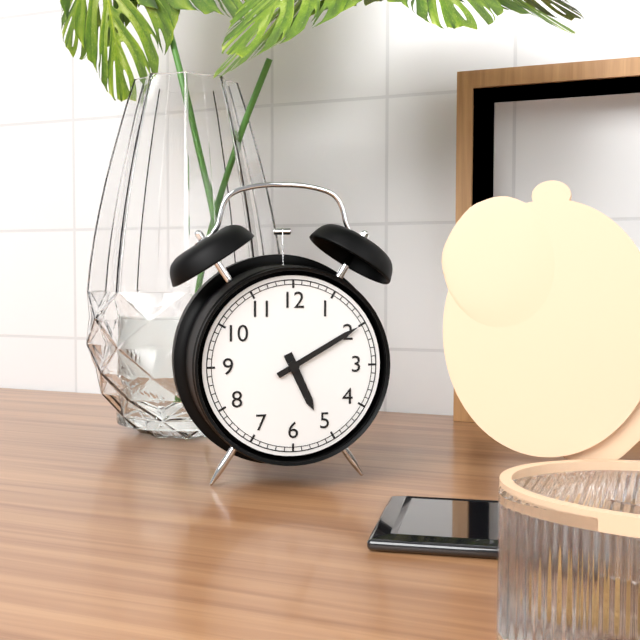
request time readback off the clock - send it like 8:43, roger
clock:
5:10
